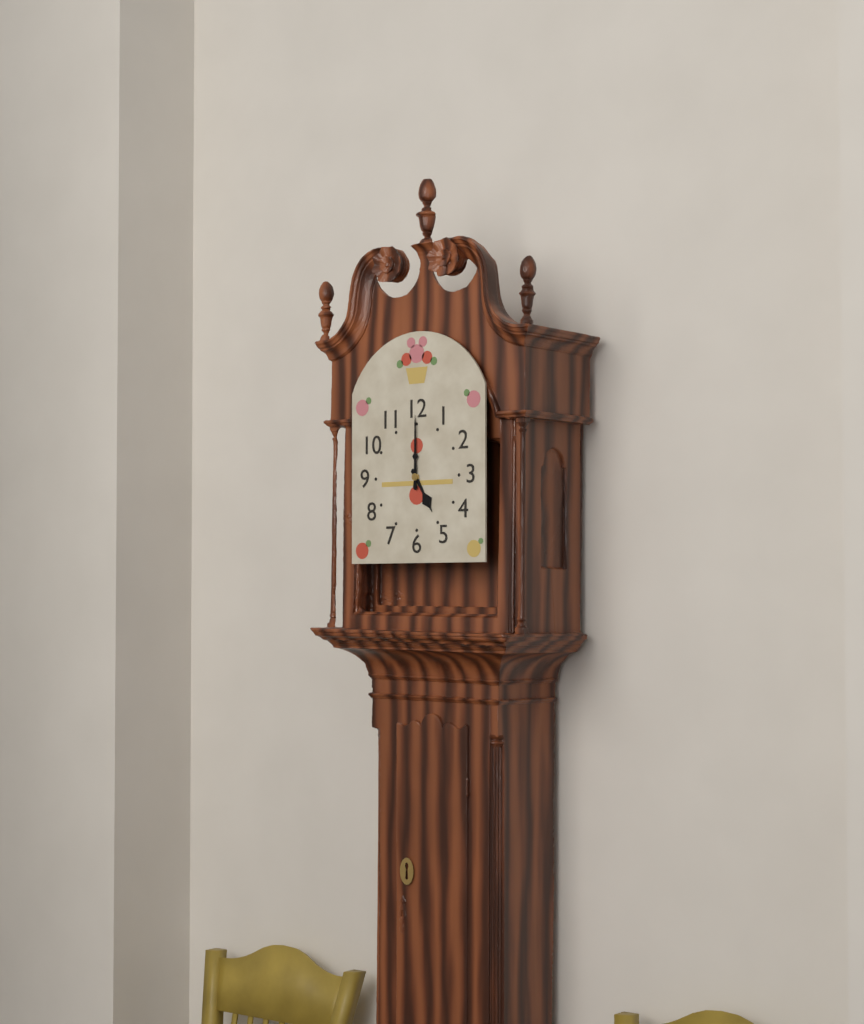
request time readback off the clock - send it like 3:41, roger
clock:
5:00
